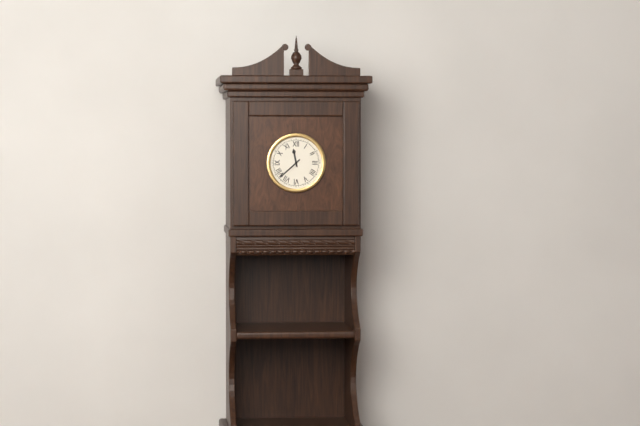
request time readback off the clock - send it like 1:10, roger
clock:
11:38
